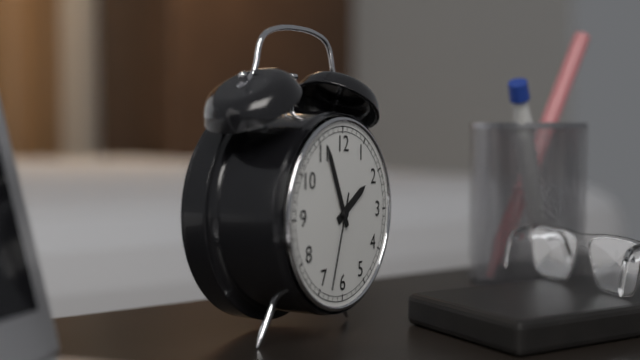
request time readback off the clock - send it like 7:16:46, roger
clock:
1:56:33
